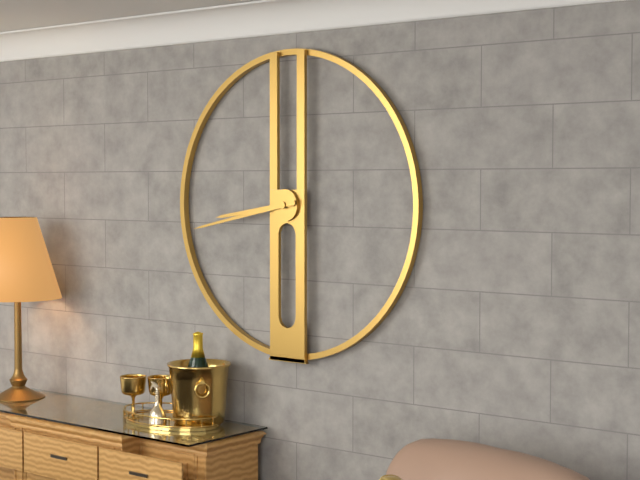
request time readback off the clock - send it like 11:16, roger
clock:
8:43
